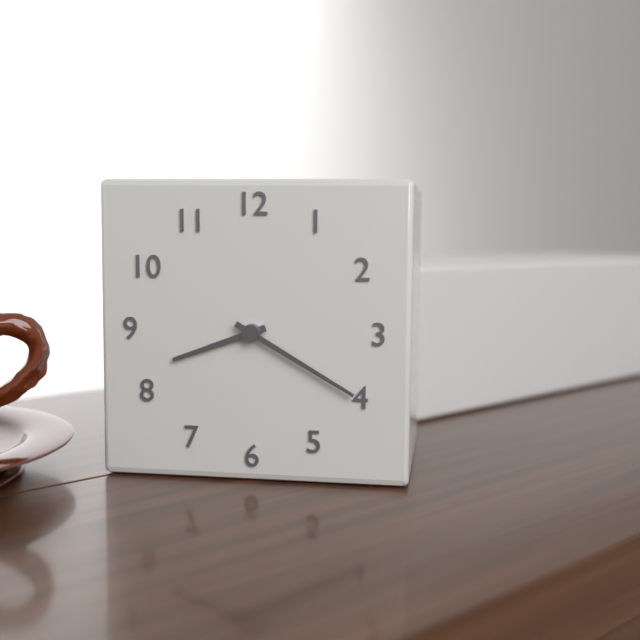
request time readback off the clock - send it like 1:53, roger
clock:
8:20
